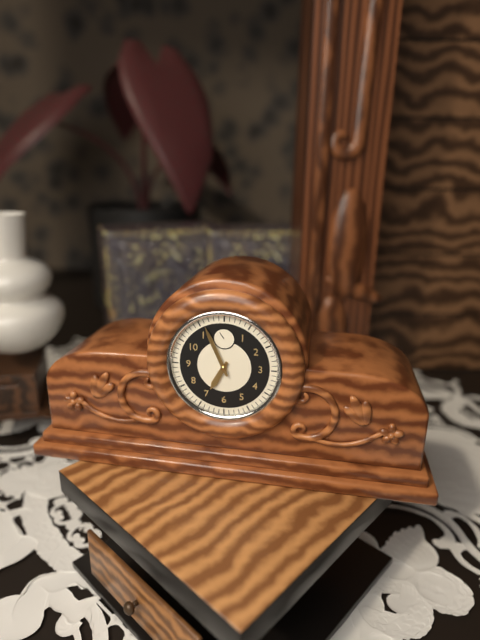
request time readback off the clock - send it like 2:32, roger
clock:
6:56
